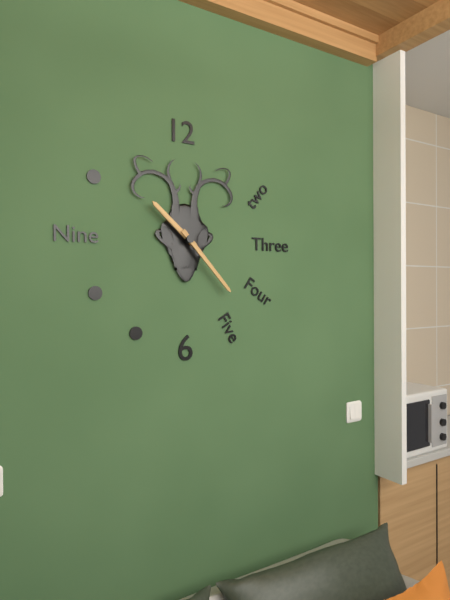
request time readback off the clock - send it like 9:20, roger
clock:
10:23
